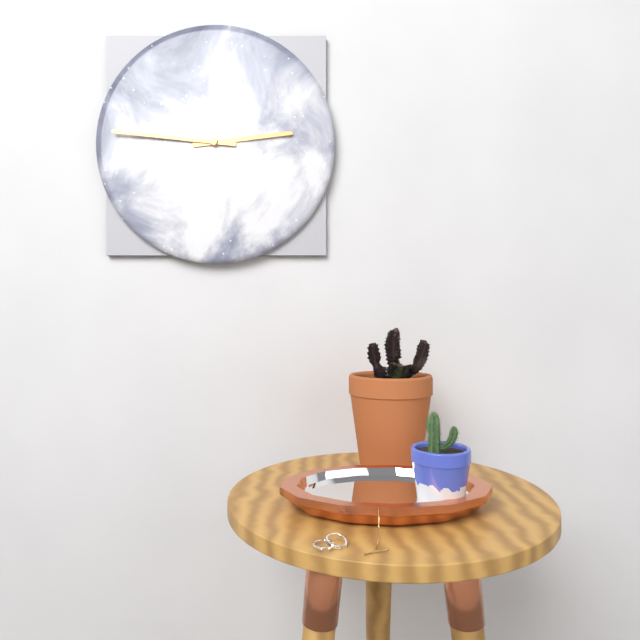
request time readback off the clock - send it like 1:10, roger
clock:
2:46
